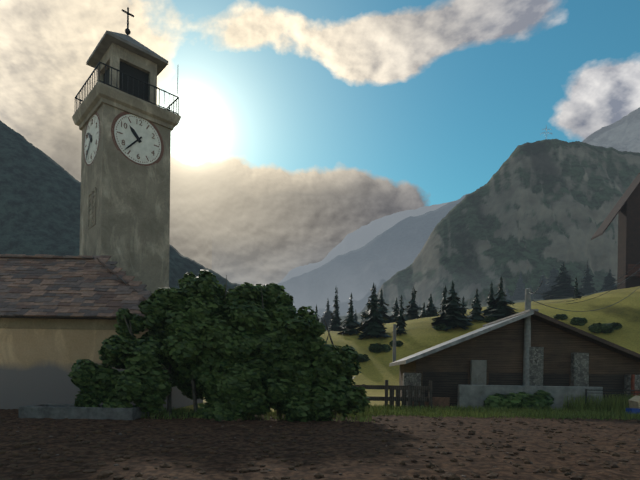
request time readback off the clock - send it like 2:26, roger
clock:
10:37
